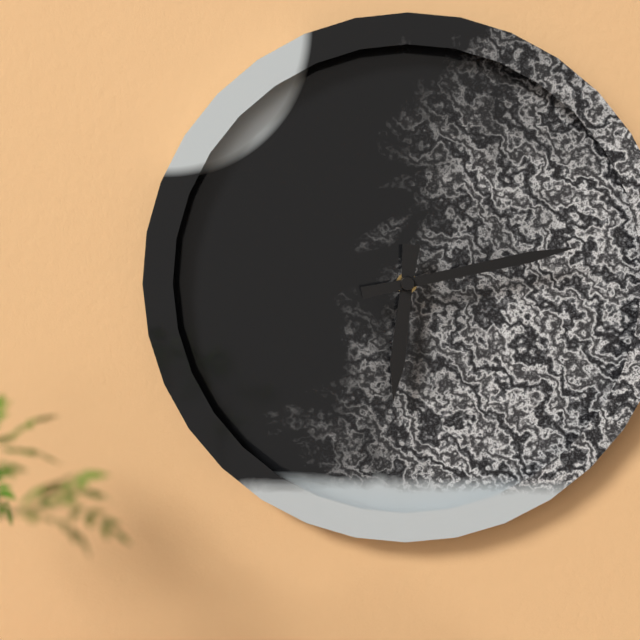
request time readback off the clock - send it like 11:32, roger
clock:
6:13
